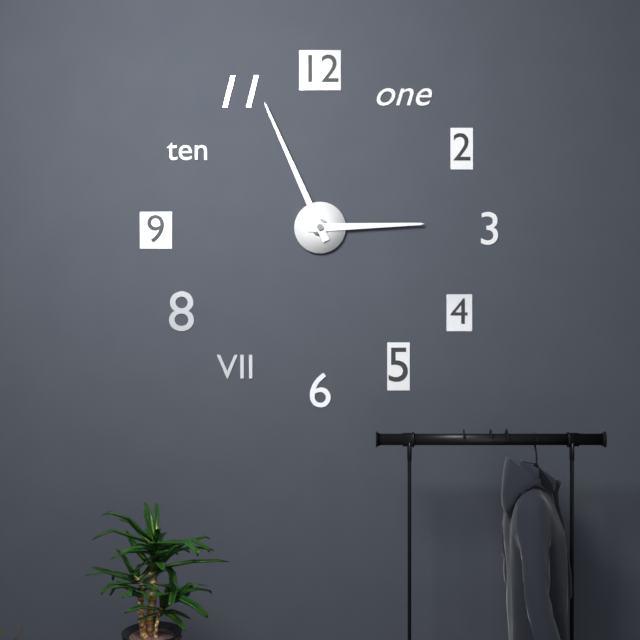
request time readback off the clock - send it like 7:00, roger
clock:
2:56
